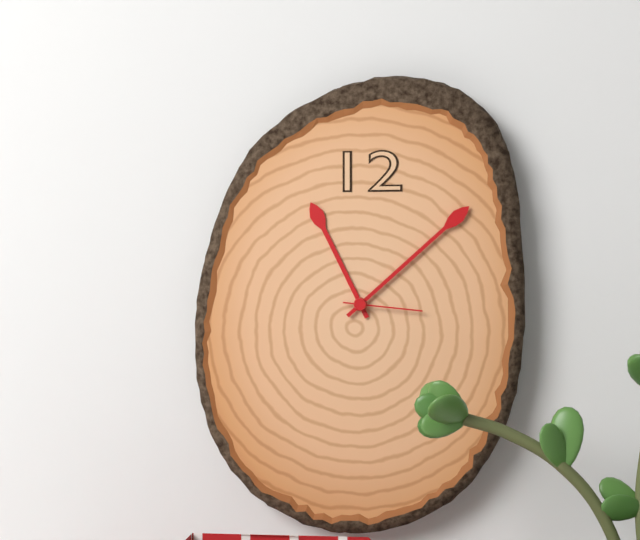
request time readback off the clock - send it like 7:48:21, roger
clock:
11:08:16
